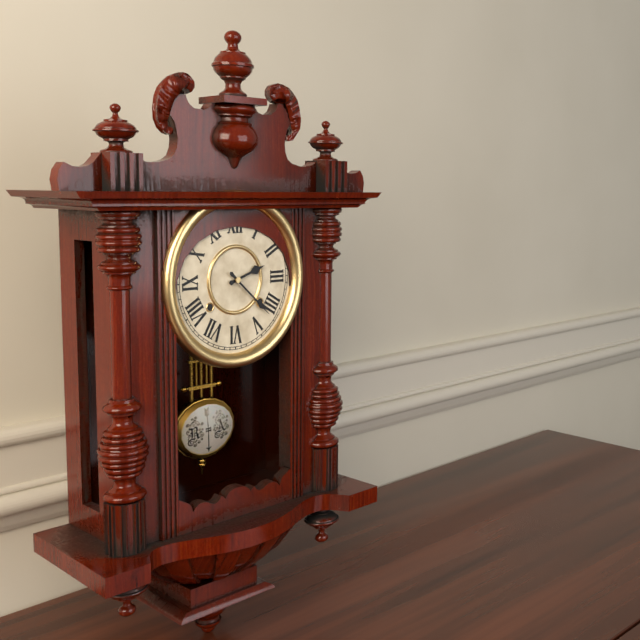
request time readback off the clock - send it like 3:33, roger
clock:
2:22
